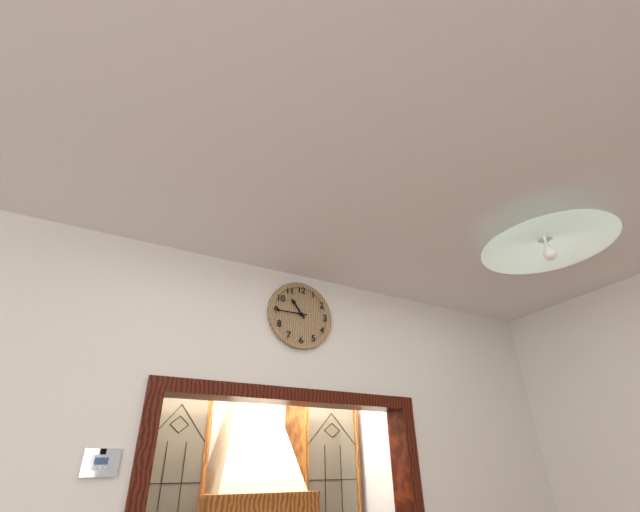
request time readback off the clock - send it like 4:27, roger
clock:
10:45
